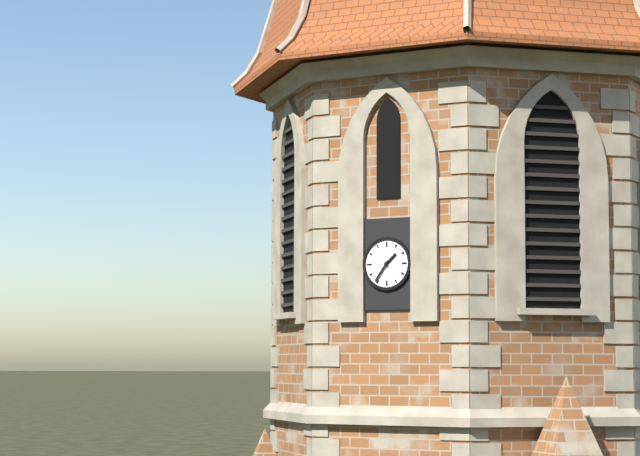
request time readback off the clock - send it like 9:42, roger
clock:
1:36
